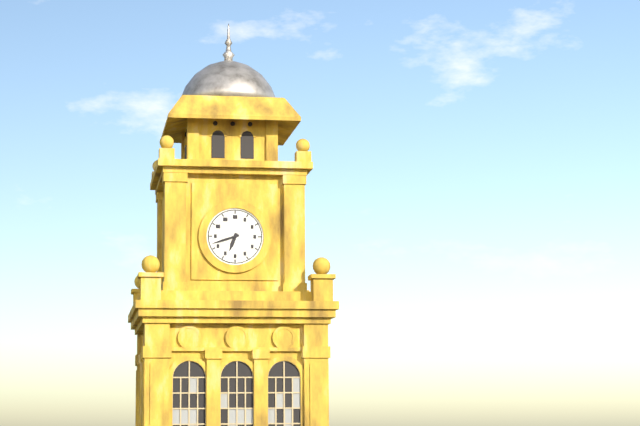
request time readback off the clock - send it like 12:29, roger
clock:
6:42
